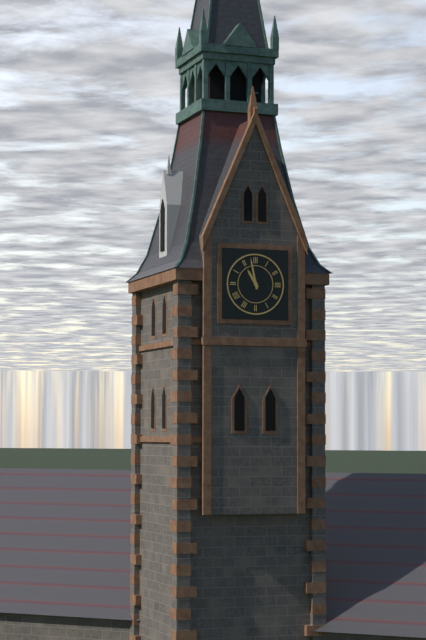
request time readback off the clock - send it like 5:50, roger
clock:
10:58
